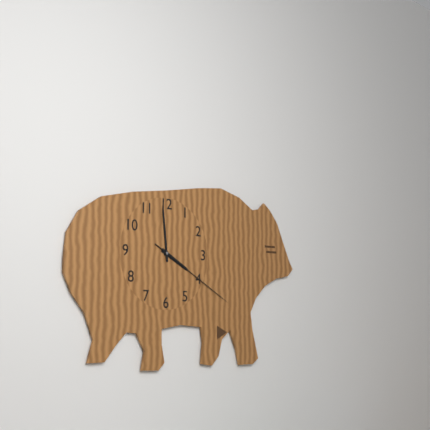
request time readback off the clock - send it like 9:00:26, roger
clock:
3:59:20
